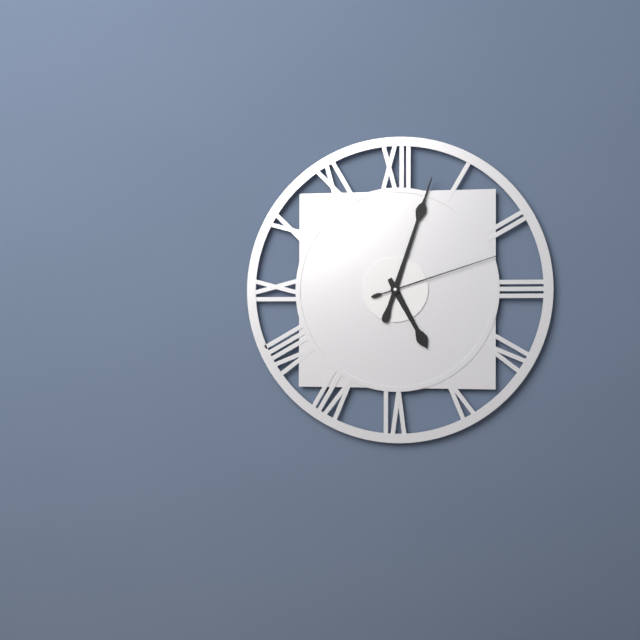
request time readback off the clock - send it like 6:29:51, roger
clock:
5:03:12
